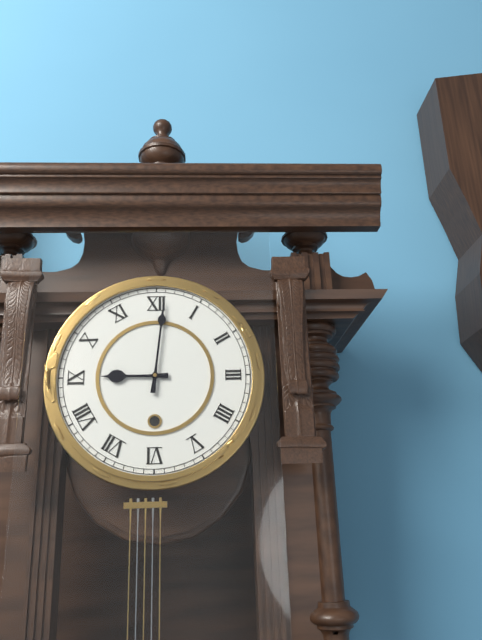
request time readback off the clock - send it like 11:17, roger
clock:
9:01
